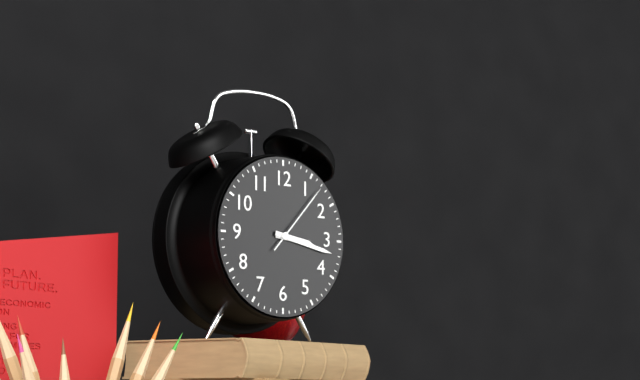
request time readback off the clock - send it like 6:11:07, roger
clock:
3:17:07
